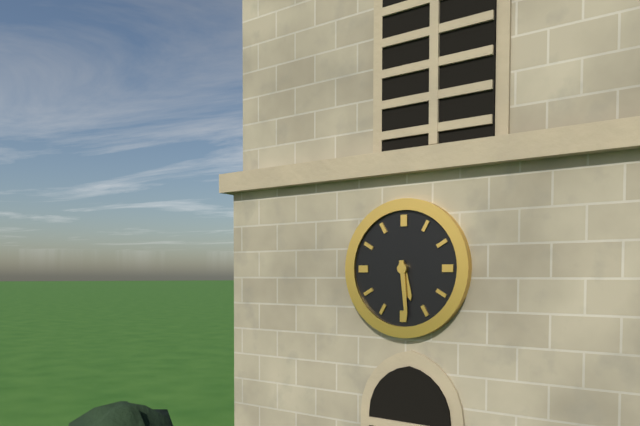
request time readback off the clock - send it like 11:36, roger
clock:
5:29
